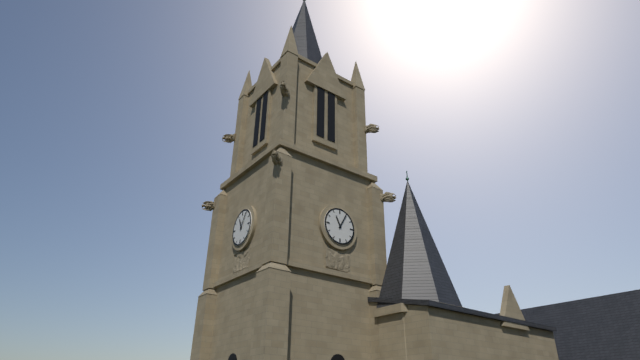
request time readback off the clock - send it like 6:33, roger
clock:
11:05
